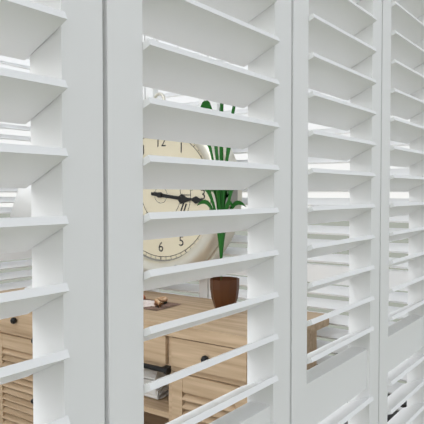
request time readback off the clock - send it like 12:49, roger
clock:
3:16
